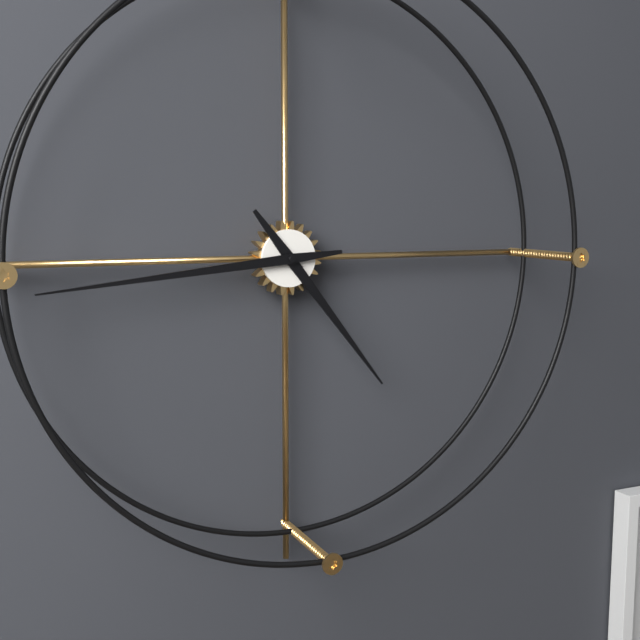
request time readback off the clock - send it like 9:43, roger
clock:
4:44
